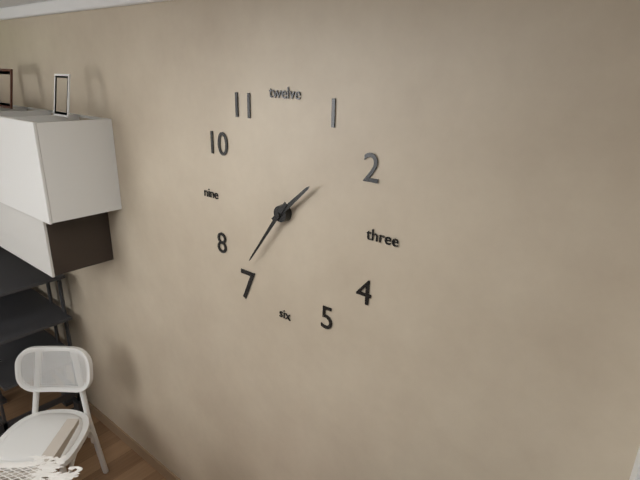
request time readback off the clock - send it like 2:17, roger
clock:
1:36
